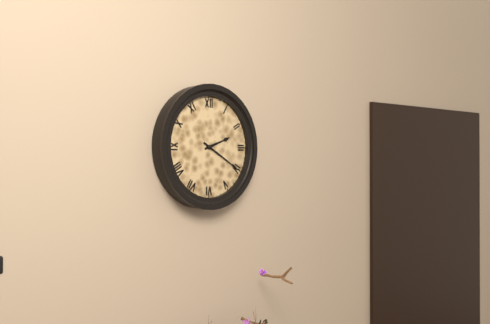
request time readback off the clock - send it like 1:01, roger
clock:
2:20
